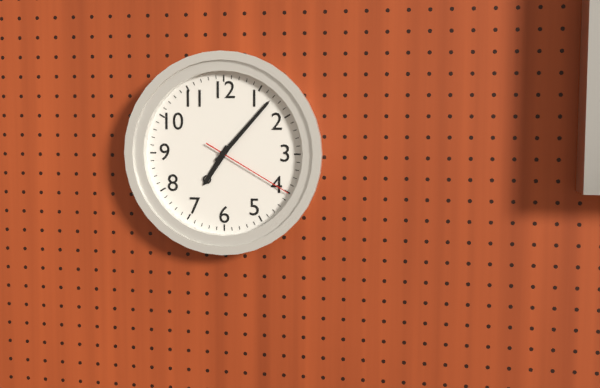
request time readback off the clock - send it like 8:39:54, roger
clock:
7:07:20
